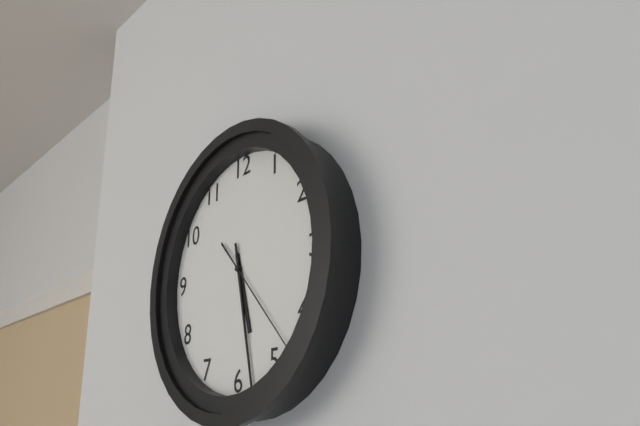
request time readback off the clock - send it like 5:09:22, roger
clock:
5:28:23
